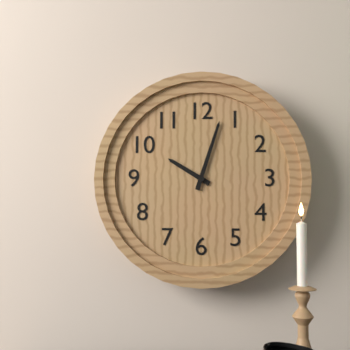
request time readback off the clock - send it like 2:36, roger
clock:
10:03
